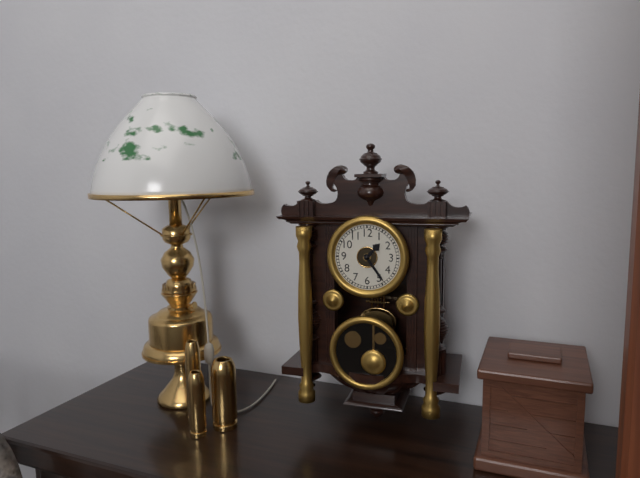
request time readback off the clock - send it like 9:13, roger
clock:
1:24
